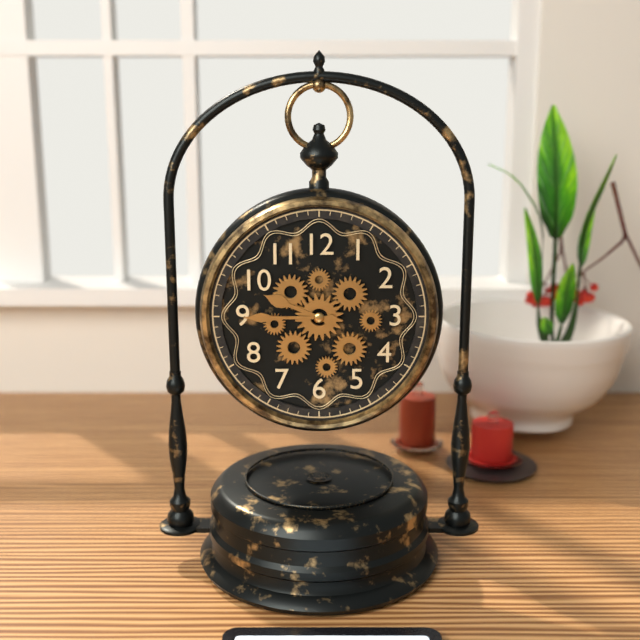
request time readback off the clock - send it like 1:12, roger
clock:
9:45
